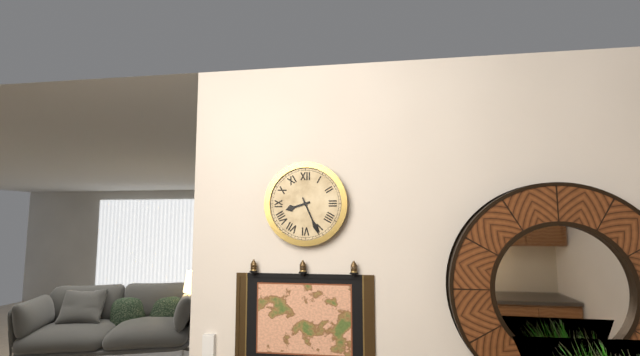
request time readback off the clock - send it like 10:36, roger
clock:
8:26
